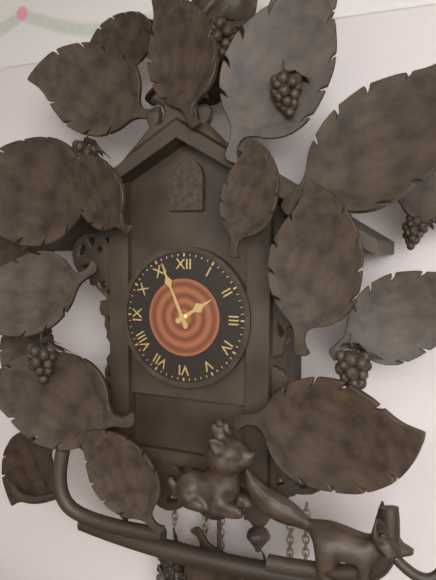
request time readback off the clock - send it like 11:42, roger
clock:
1:56
